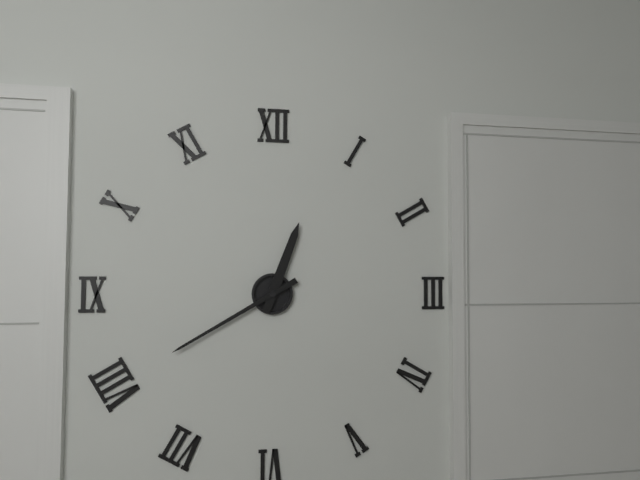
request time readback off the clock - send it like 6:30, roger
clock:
12:40
